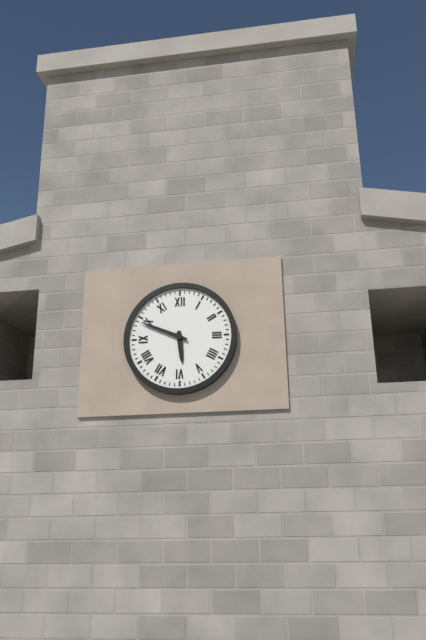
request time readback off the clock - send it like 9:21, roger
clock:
5:49
